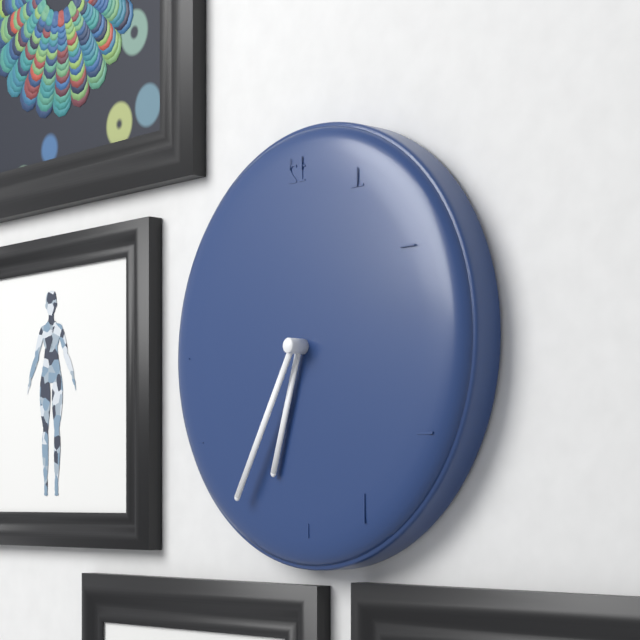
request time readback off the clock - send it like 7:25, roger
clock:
6:35
